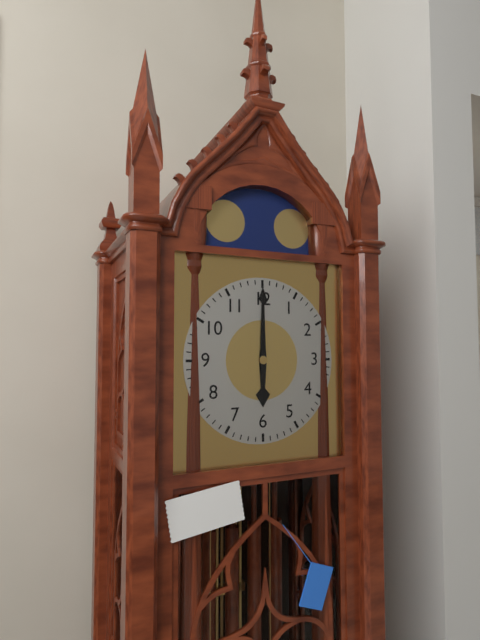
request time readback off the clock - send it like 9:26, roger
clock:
6:00
